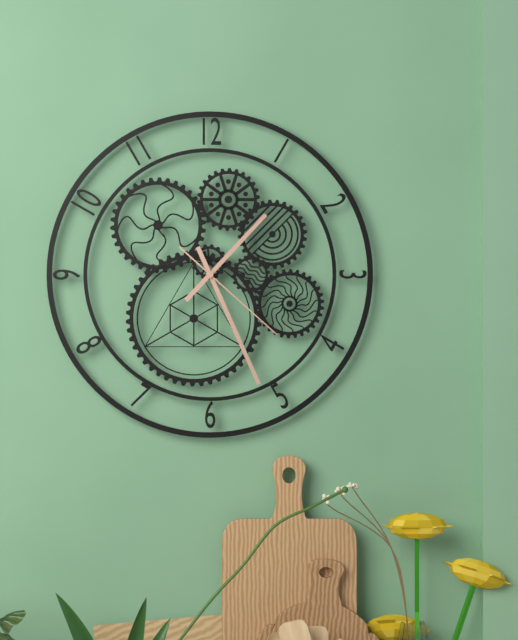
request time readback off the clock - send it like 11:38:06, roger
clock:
1:26:22
